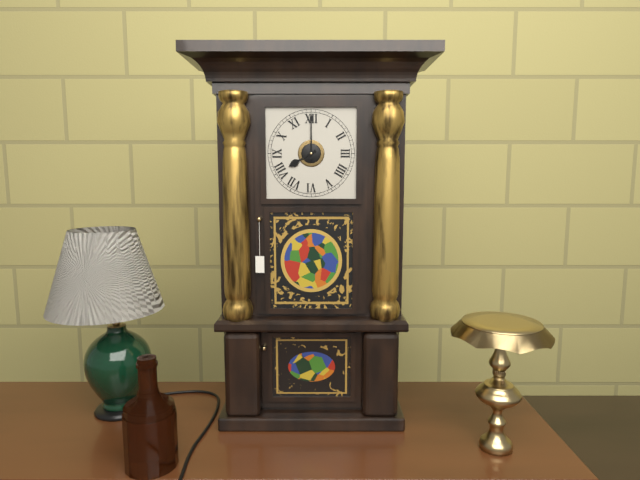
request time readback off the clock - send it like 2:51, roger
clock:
8:00
